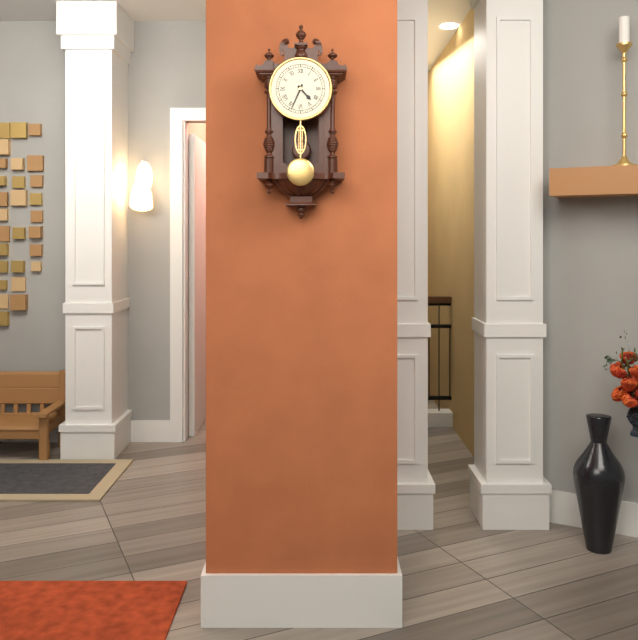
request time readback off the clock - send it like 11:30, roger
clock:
4:34
